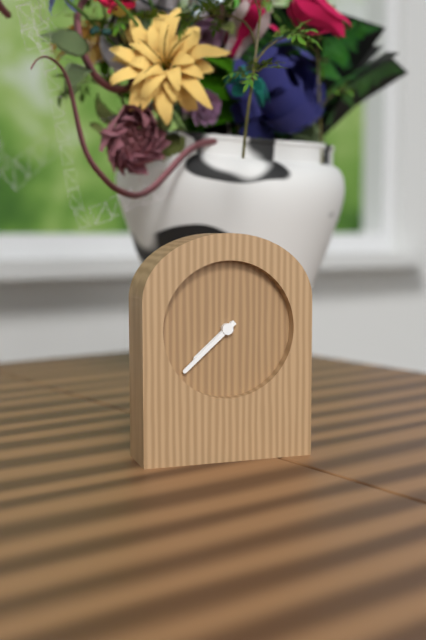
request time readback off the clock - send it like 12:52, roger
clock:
7:38
